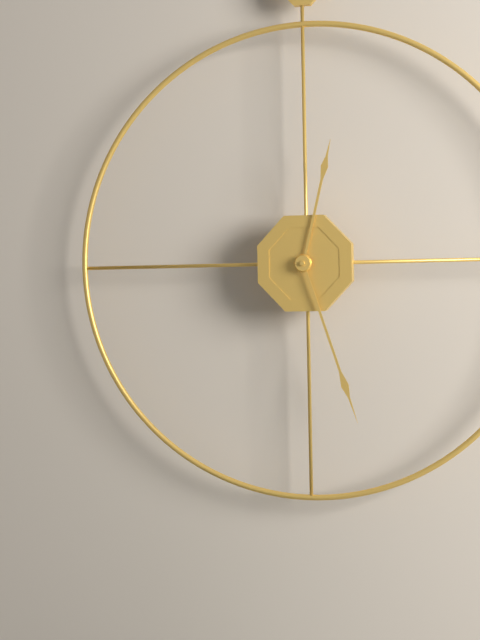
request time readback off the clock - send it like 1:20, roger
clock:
12:27
